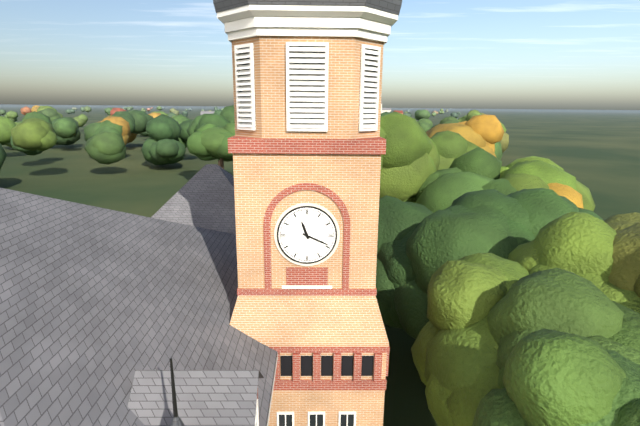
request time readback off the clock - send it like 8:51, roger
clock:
11:19
